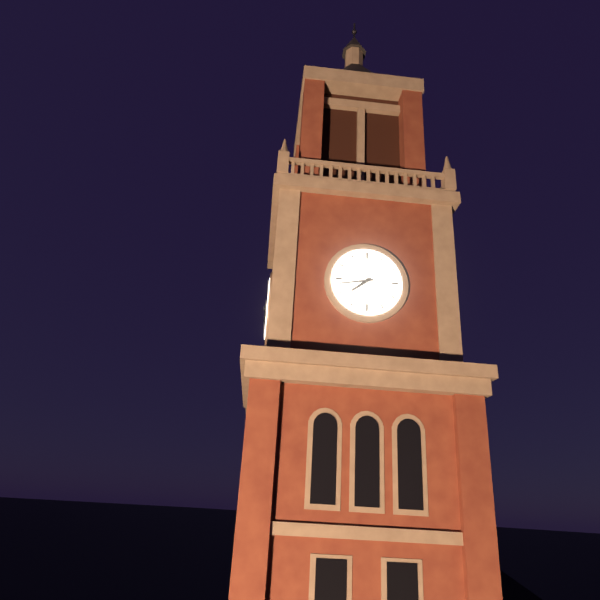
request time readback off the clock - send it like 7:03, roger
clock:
7:43
